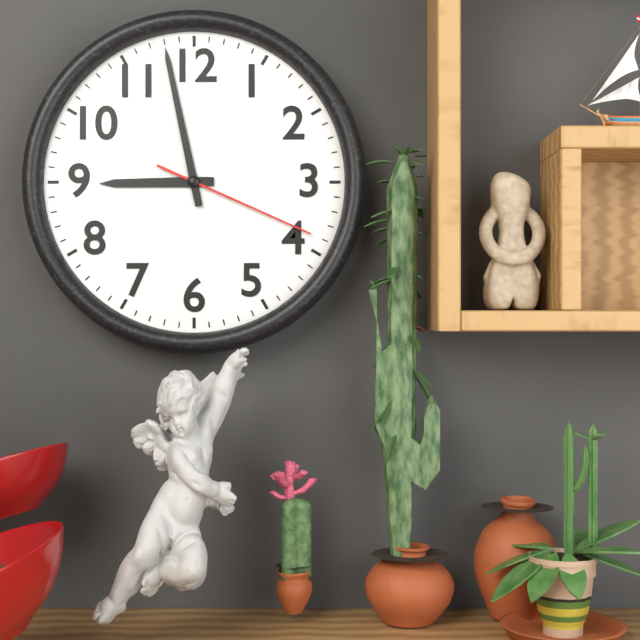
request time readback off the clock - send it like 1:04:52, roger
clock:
8:58:19
